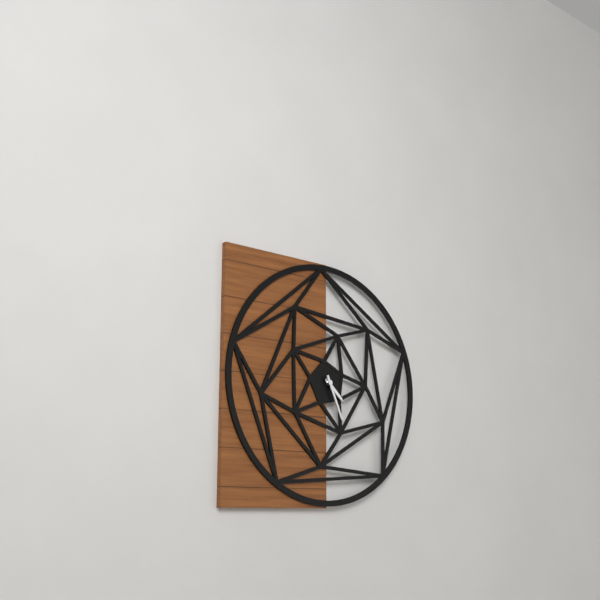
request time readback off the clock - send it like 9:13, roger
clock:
4:26
